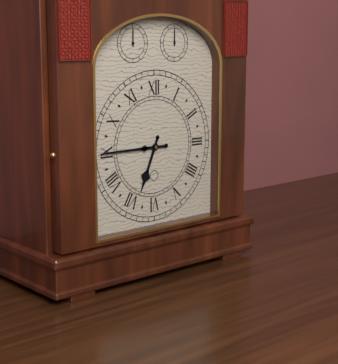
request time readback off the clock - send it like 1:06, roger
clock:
6:45
